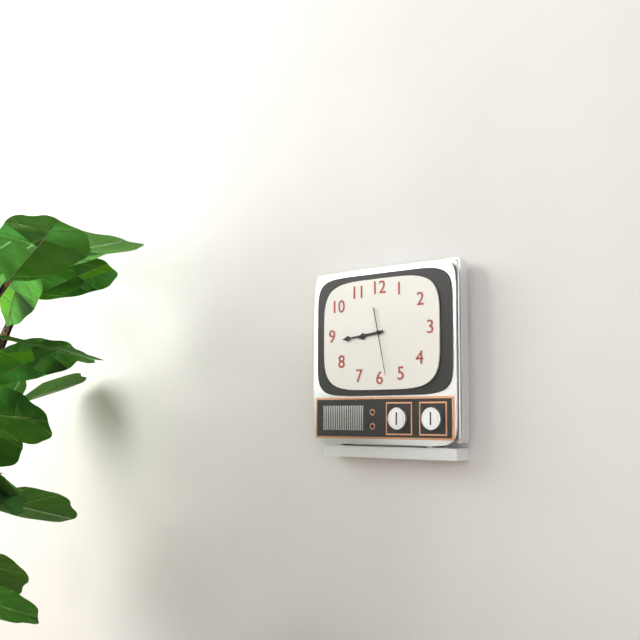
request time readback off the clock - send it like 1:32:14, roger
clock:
8:44:28
